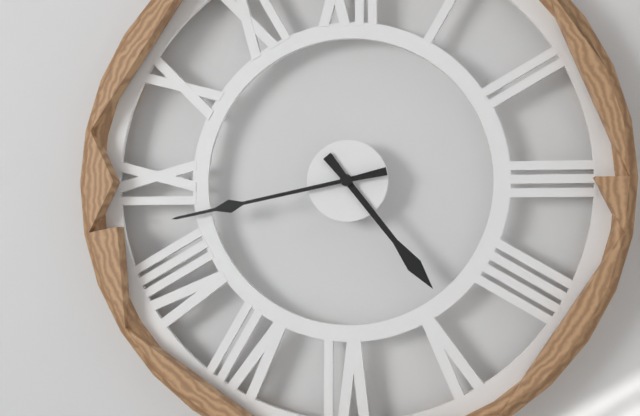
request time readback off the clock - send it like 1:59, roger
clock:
4:43
